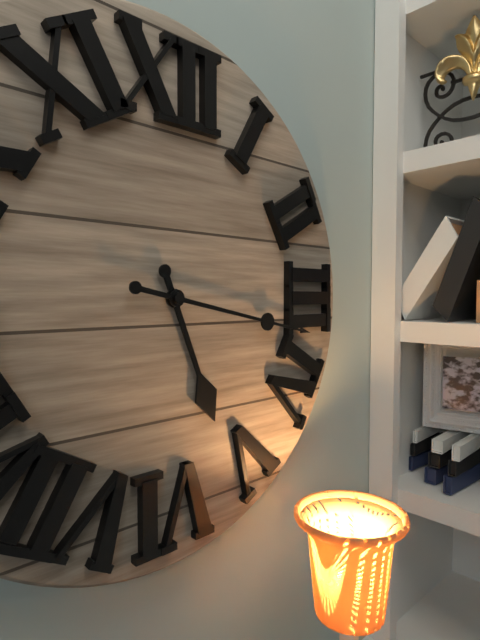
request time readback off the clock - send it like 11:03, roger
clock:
5:17
